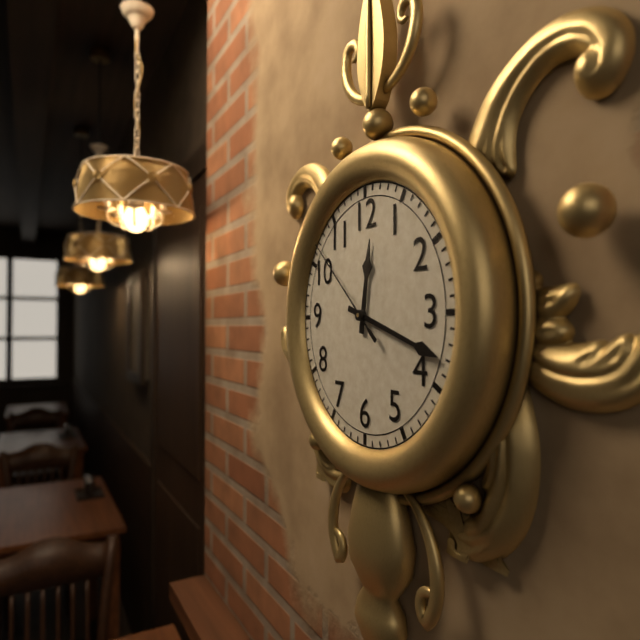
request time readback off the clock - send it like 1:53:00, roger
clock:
12:18:52
